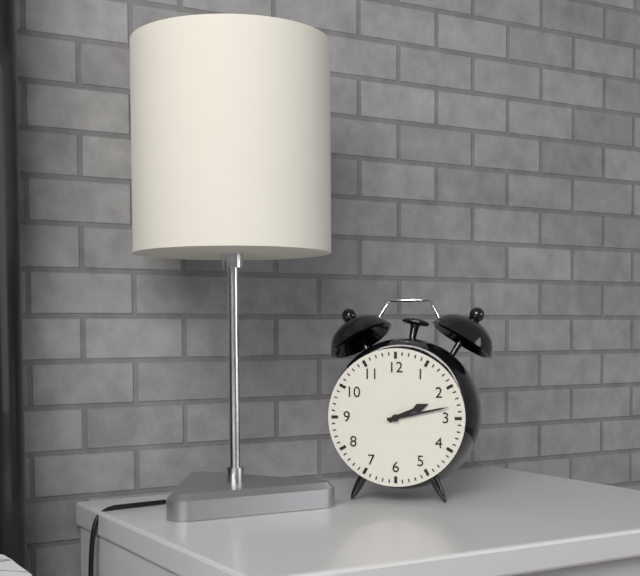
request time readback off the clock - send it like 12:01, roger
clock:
2:13
